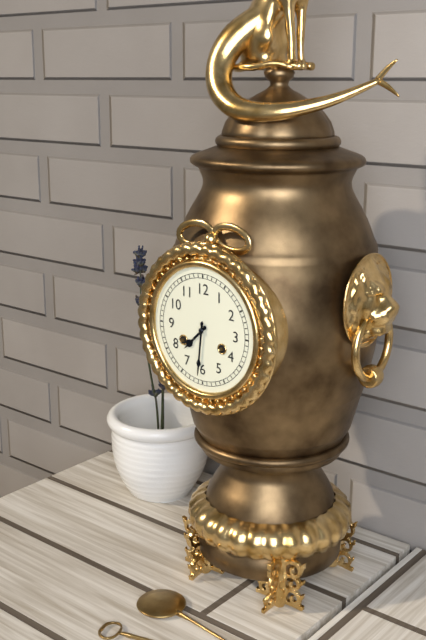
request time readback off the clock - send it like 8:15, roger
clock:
7:31
